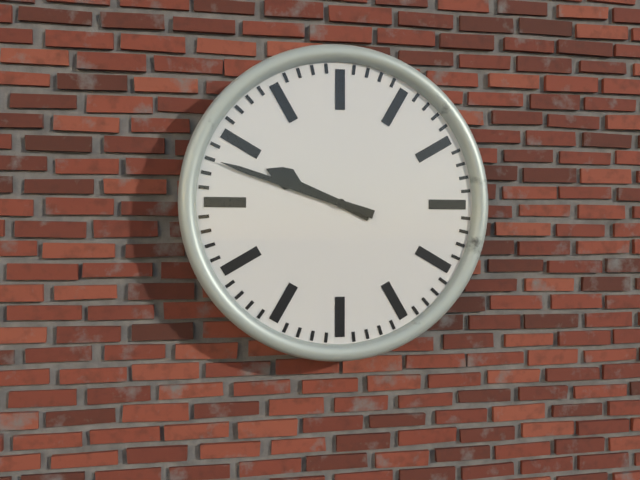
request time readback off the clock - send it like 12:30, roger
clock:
9:48
